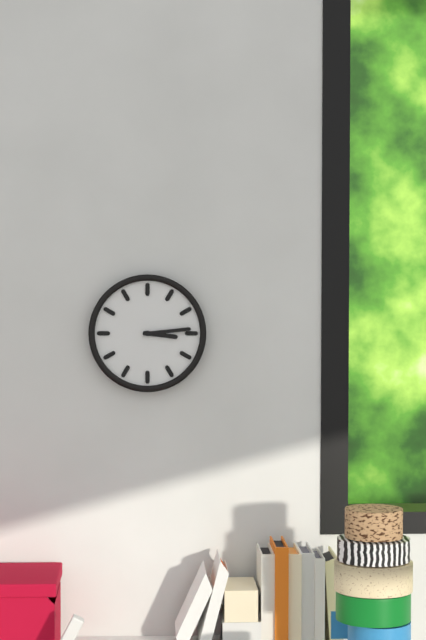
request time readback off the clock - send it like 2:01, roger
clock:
3:14
